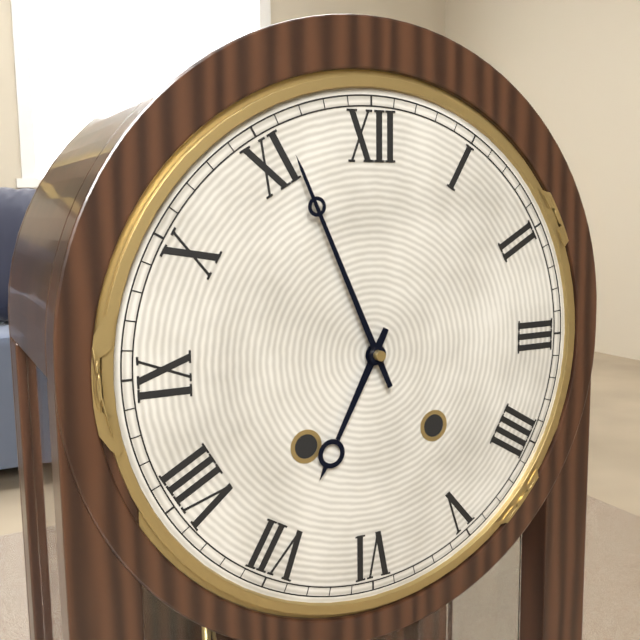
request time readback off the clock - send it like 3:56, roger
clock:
6:56
